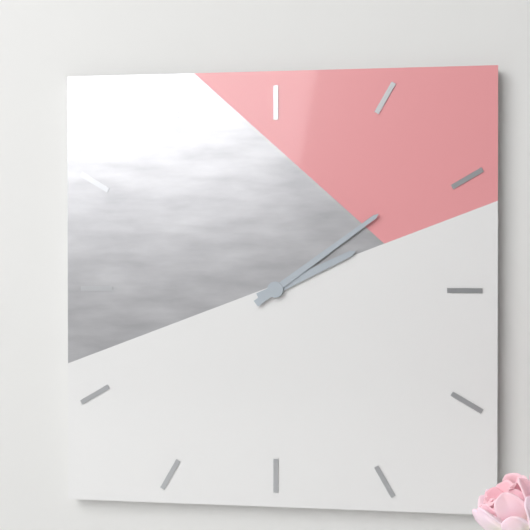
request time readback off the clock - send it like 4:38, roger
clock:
2:09
